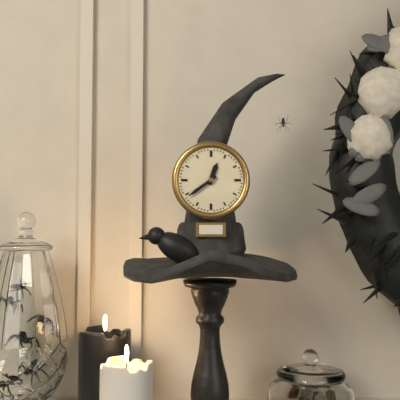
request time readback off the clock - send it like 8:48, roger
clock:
12:39
